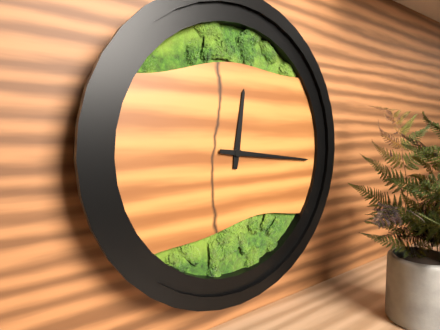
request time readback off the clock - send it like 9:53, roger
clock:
12:16
